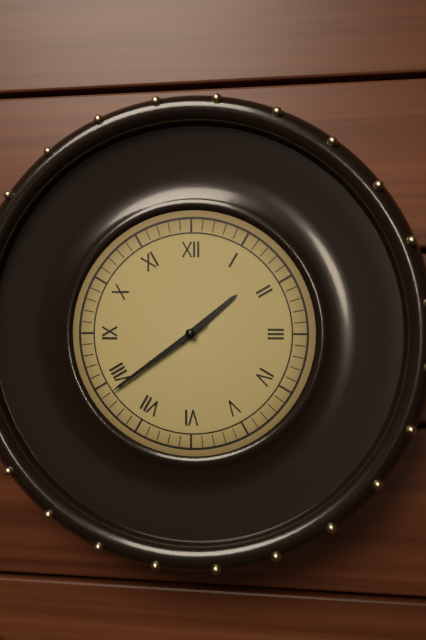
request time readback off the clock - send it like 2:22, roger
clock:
1:39
